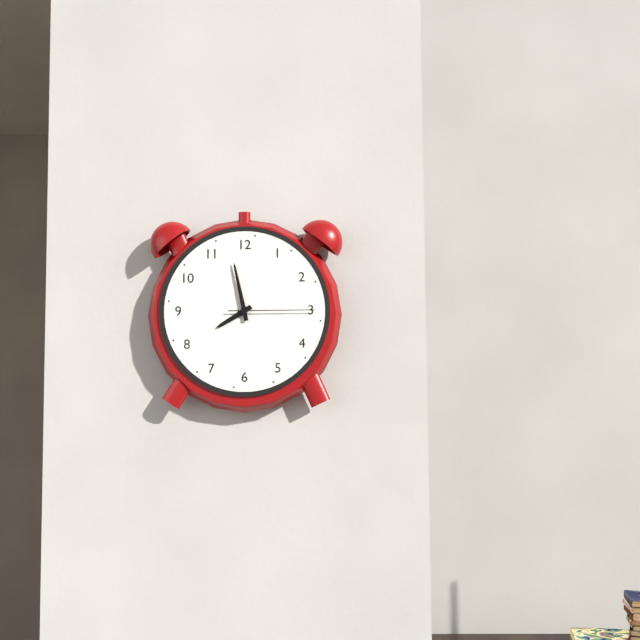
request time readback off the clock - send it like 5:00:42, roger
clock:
7:58:15
